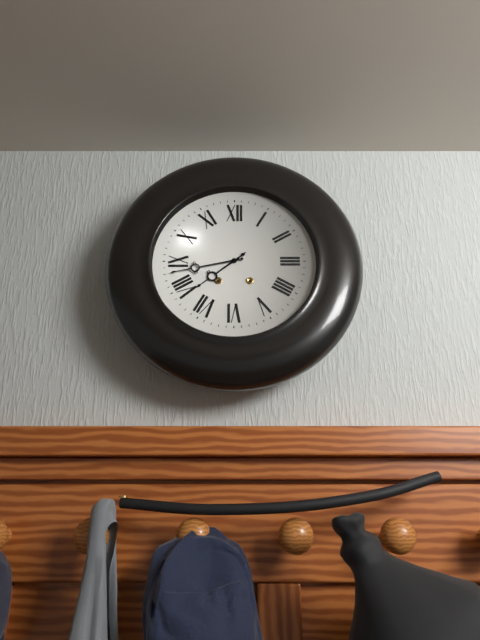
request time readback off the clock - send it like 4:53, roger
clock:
7:43
